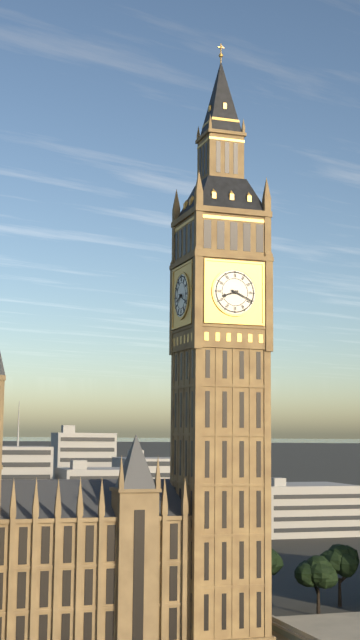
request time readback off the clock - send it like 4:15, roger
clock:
8:19
